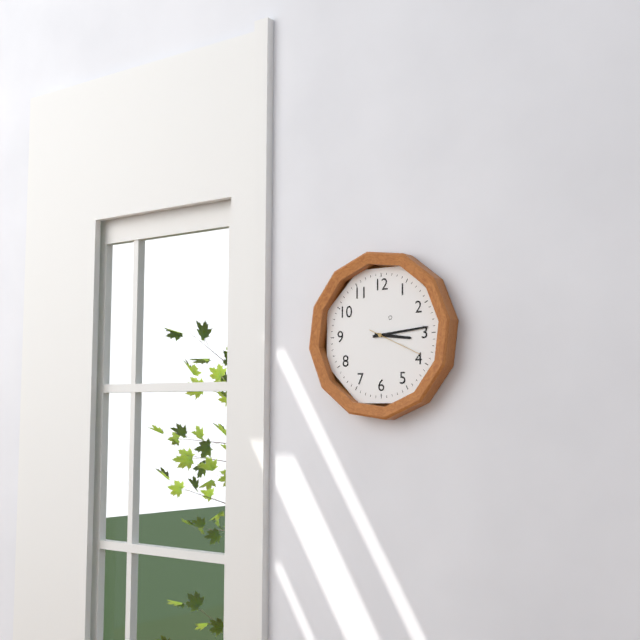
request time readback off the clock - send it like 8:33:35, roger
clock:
3:14:19
